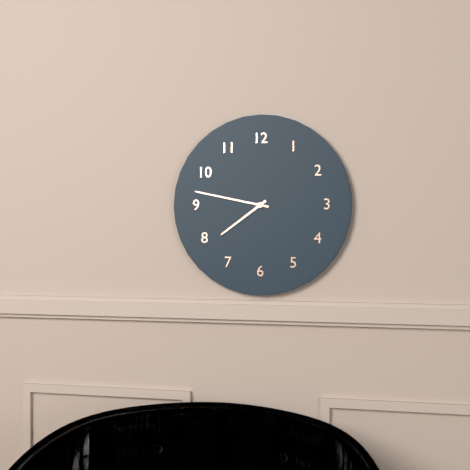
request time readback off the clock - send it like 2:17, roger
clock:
7:47
